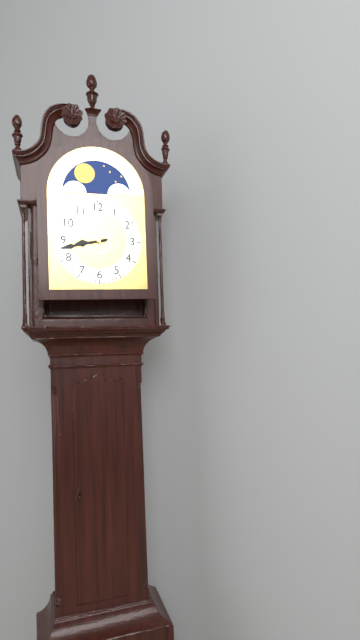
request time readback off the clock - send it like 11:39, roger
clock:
8:43
